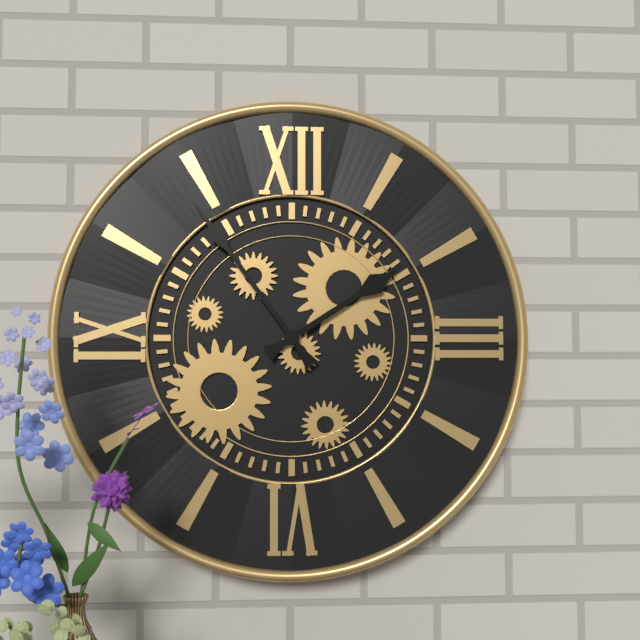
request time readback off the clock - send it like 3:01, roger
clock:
1:54
